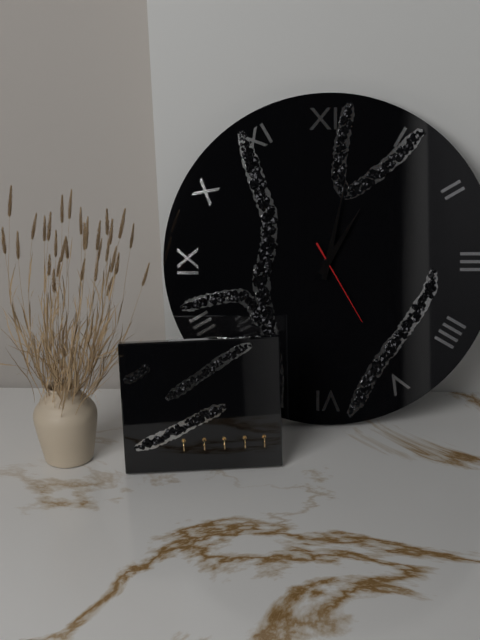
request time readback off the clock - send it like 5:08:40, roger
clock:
1:02:25
